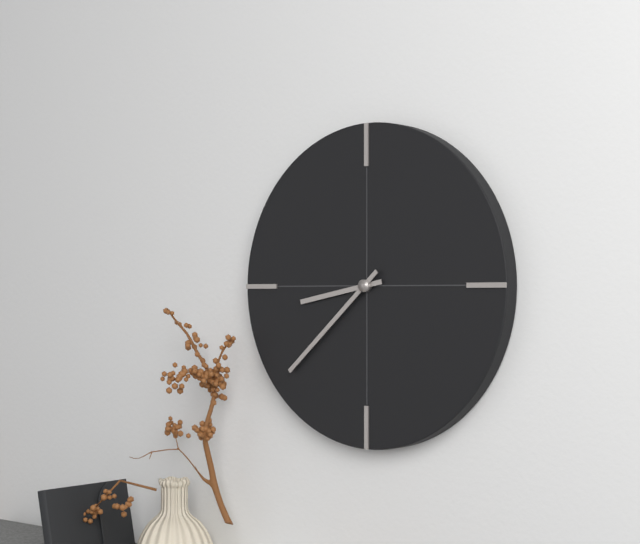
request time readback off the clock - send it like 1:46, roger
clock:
8:38
